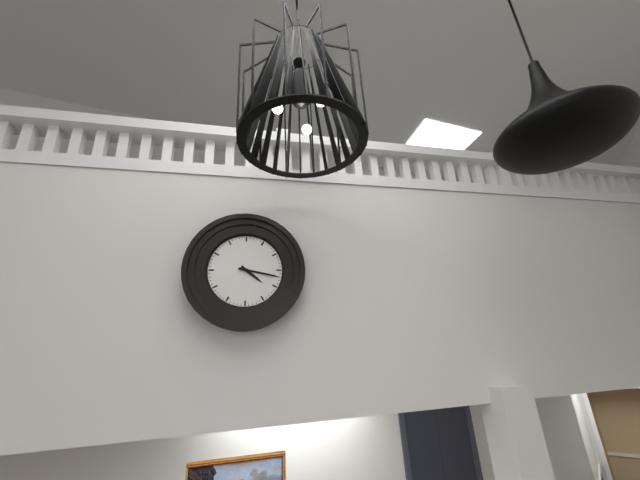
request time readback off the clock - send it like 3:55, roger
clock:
4:17
